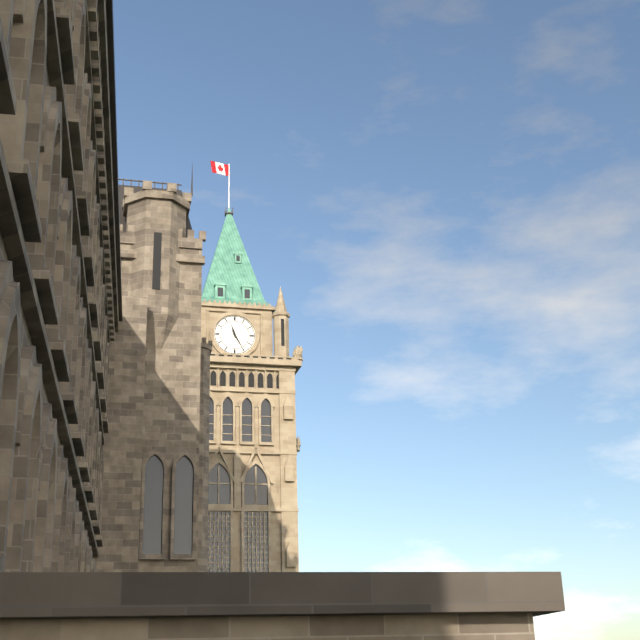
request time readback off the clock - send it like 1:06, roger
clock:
11:25
